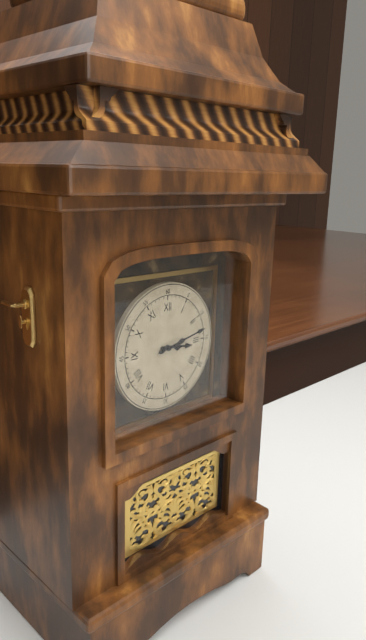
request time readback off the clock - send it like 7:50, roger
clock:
3:13
